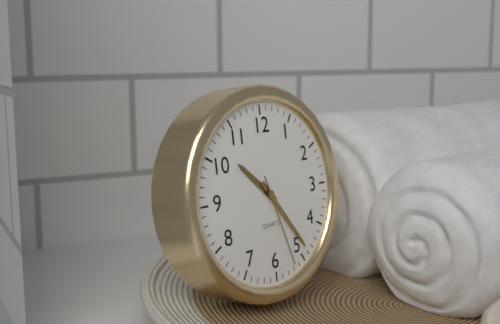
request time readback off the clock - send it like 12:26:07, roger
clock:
10:24:27
